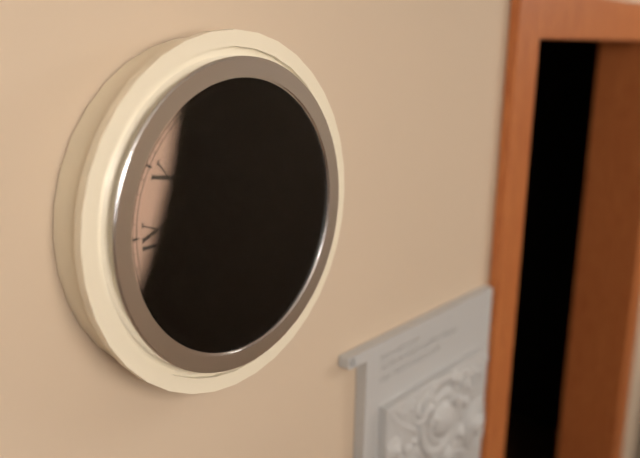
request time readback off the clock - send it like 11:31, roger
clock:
1:53
